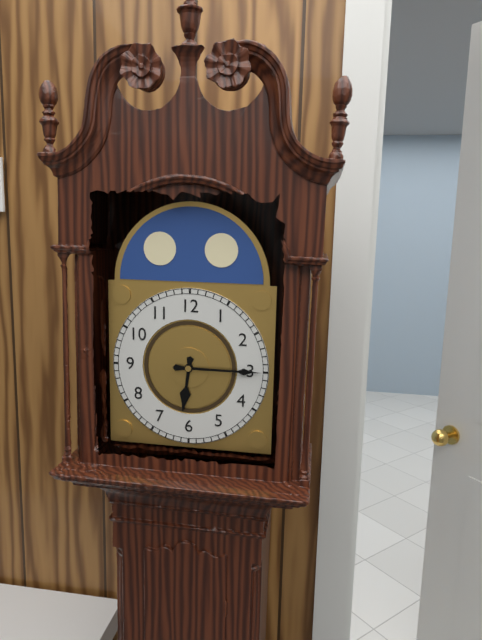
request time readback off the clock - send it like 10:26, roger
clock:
6:15
